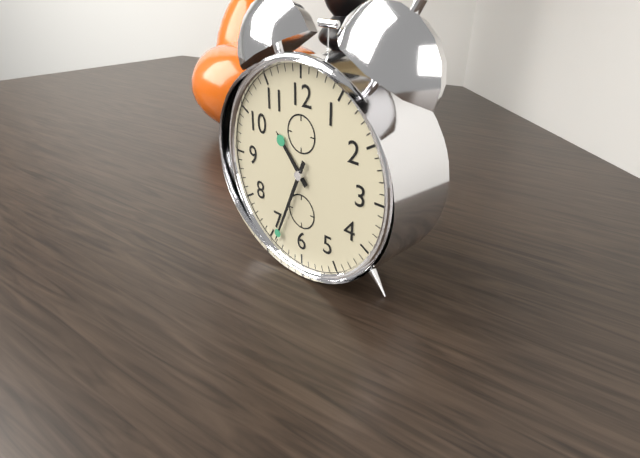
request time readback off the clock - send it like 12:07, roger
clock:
10:34
